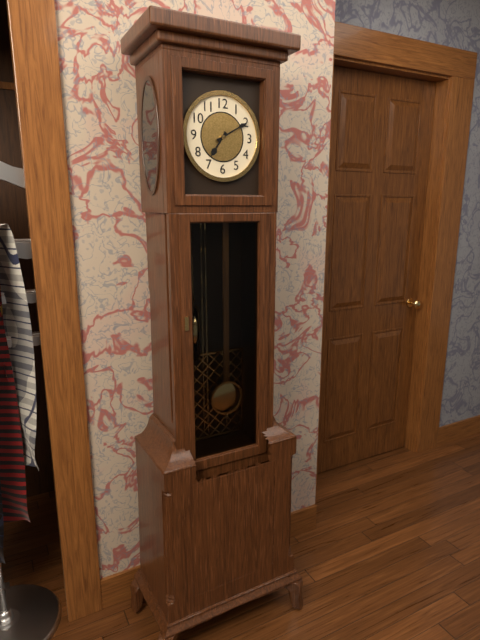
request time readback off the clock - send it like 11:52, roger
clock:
7:10
